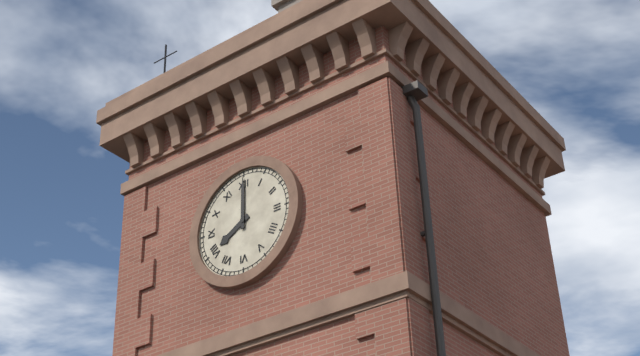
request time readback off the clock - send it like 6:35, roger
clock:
8:00
